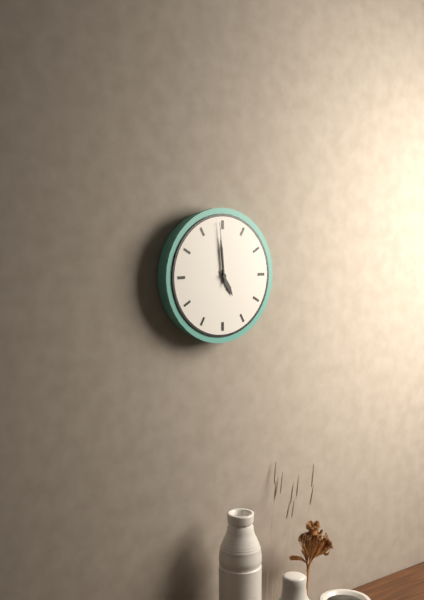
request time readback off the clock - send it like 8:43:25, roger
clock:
4:59:59
